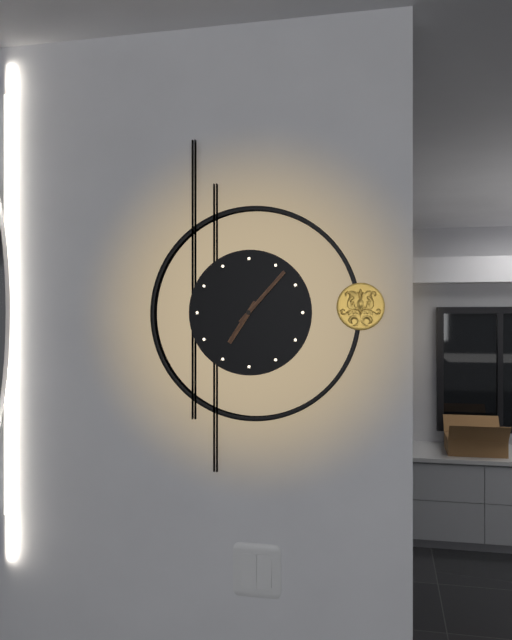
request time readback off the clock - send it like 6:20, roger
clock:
7:07
